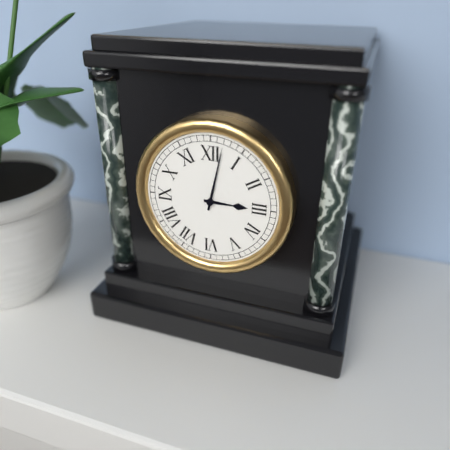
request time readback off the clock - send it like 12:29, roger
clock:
3:02
